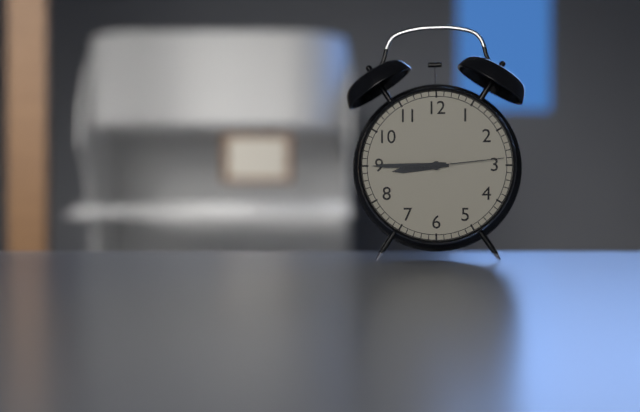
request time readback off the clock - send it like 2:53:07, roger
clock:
8:45:14
